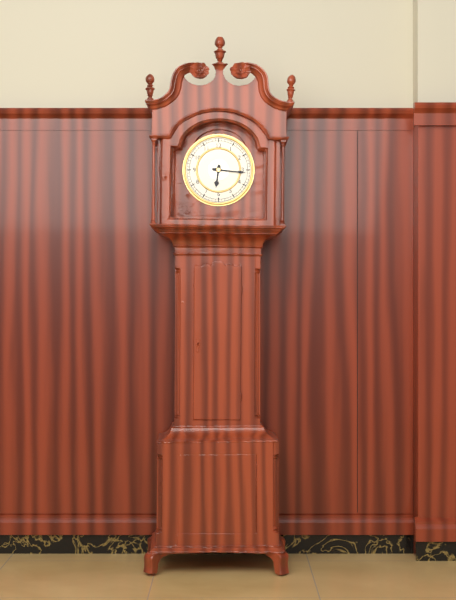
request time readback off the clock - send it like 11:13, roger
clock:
6:16
